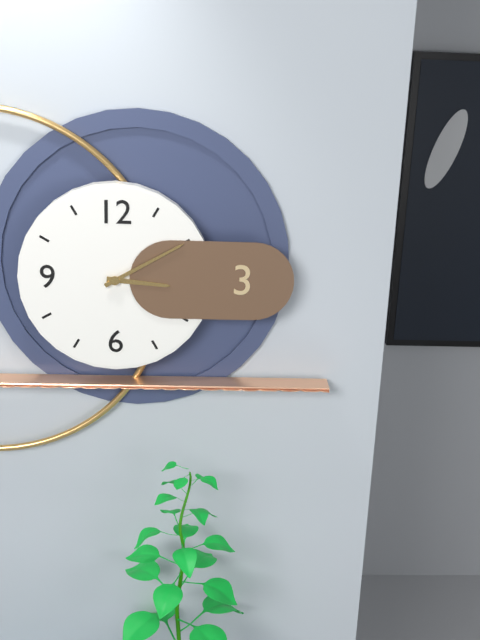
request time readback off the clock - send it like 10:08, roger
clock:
3:10
